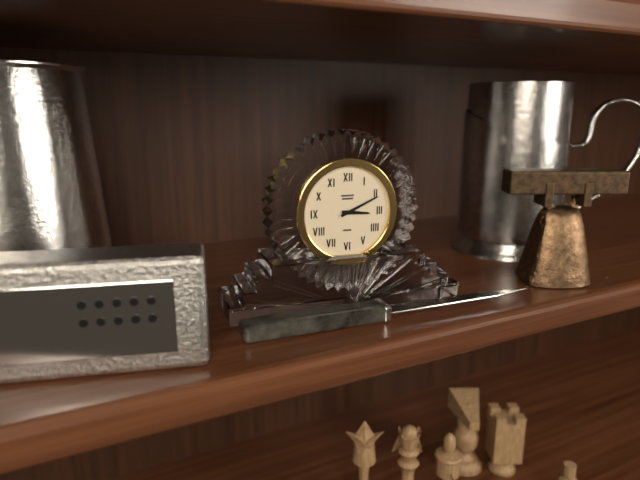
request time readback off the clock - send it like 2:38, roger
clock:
3:11
